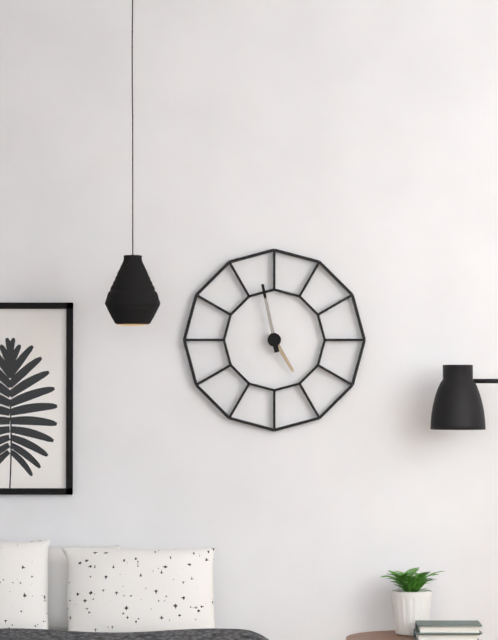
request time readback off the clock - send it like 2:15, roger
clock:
4:58
